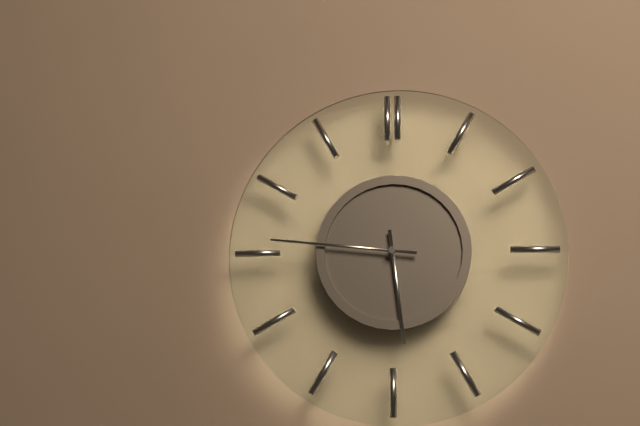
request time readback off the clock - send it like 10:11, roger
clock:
5:46
